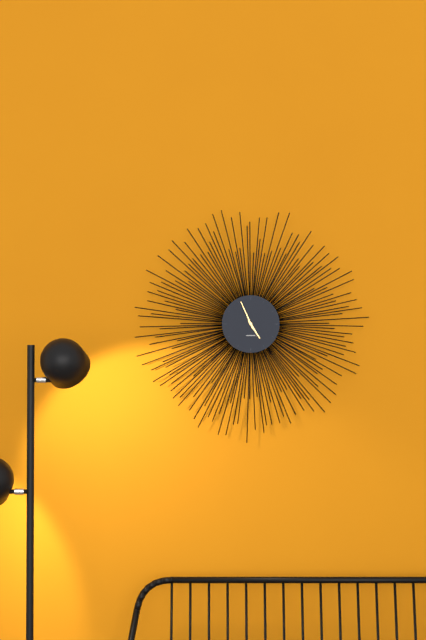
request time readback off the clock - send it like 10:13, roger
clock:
4:56
